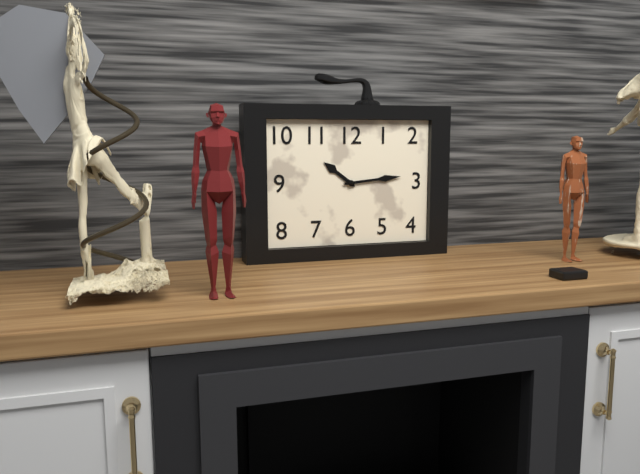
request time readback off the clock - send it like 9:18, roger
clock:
10:14
